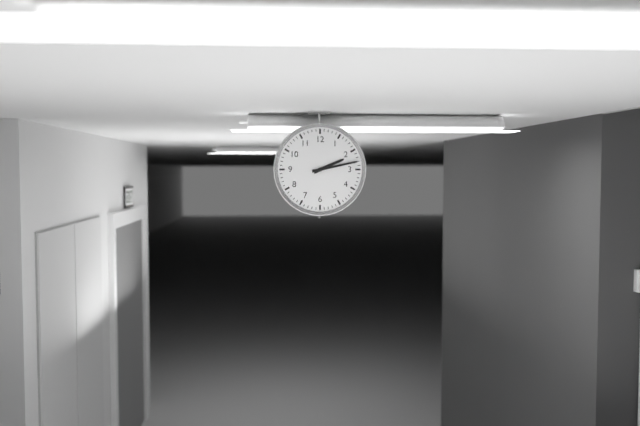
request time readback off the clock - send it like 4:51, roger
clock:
2:13
